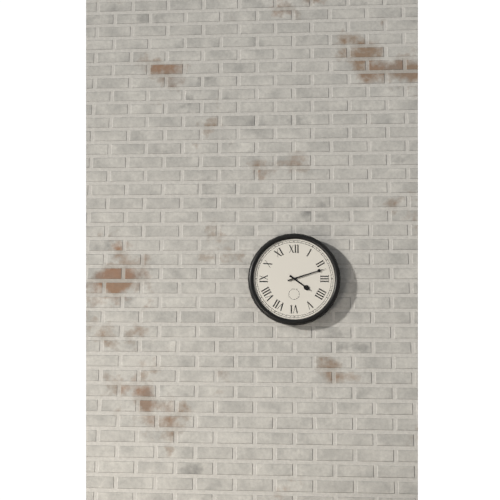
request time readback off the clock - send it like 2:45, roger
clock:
4:12
